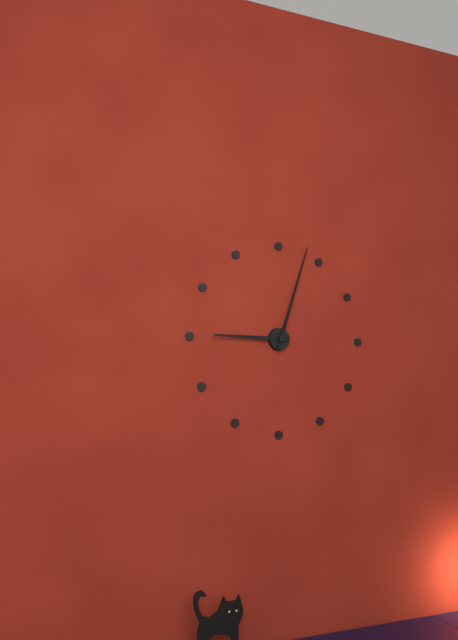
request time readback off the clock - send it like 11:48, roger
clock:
9:03
